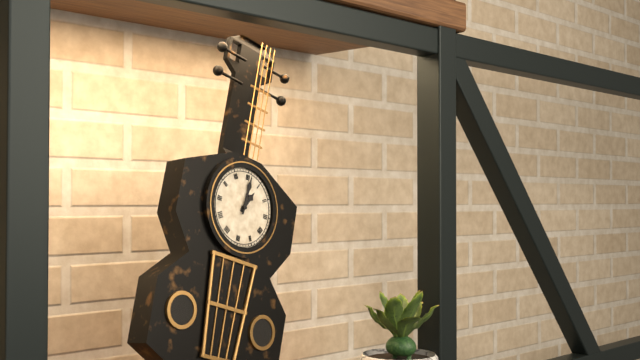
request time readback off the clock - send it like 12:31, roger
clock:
1:01
